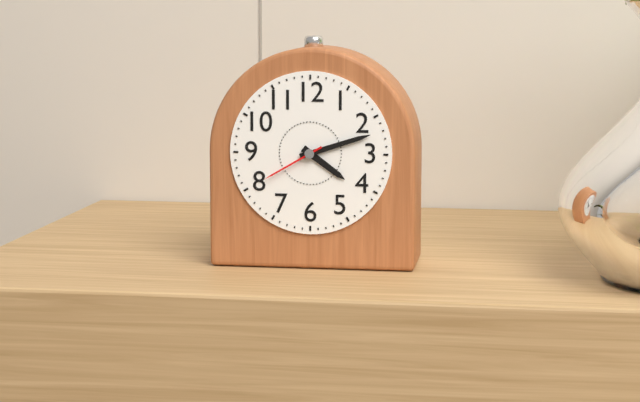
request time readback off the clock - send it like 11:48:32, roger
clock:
4:12:40
